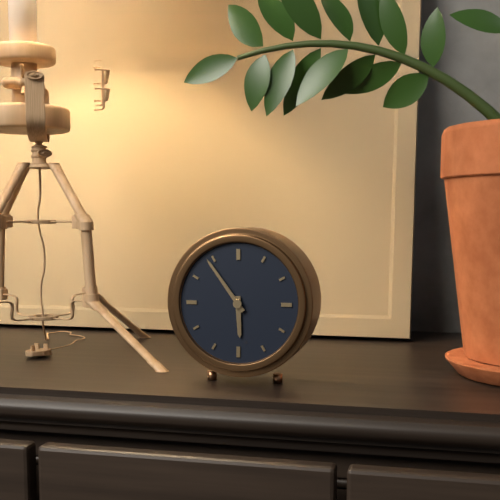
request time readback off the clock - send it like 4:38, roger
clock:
5:54
